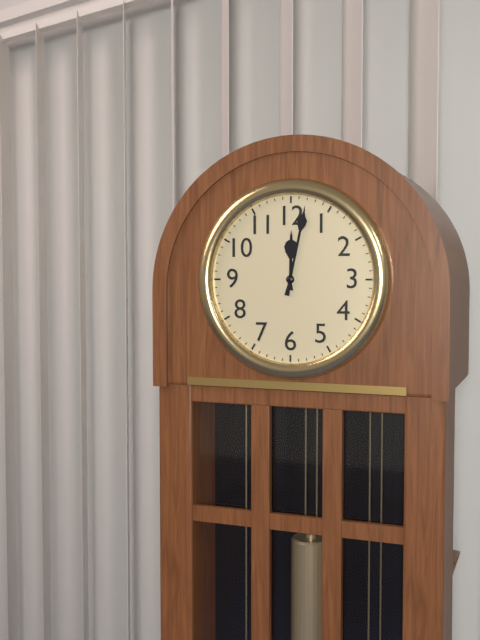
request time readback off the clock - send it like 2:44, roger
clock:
12:02
